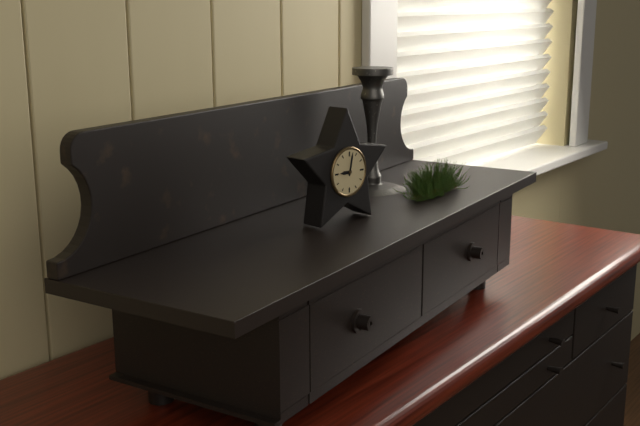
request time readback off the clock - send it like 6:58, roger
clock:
9:02
